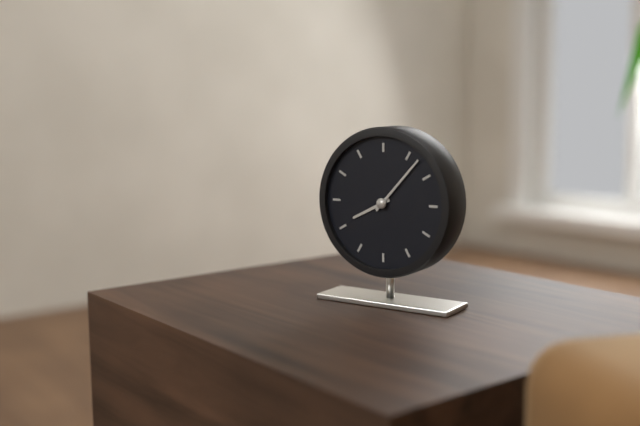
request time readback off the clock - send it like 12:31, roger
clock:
8:07
